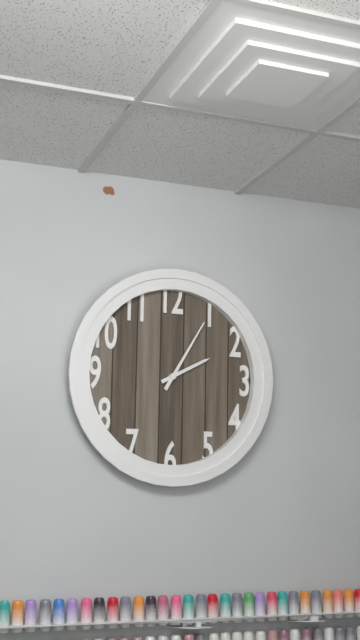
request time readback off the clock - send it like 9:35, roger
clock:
2:05
